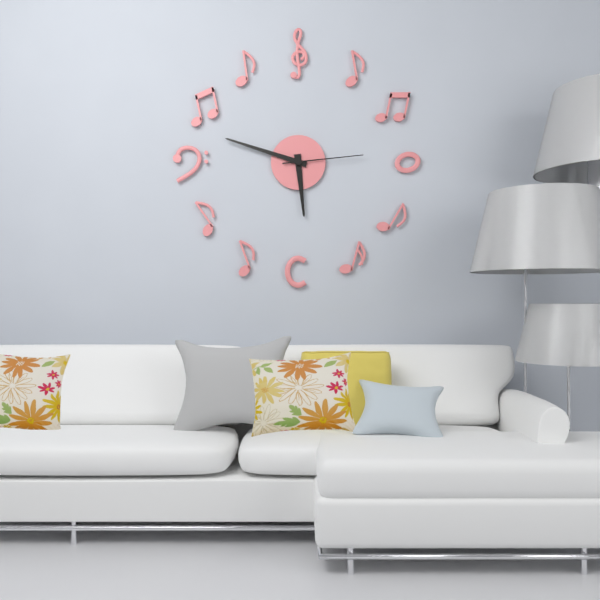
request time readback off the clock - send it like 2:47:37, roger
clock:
5:48:14
